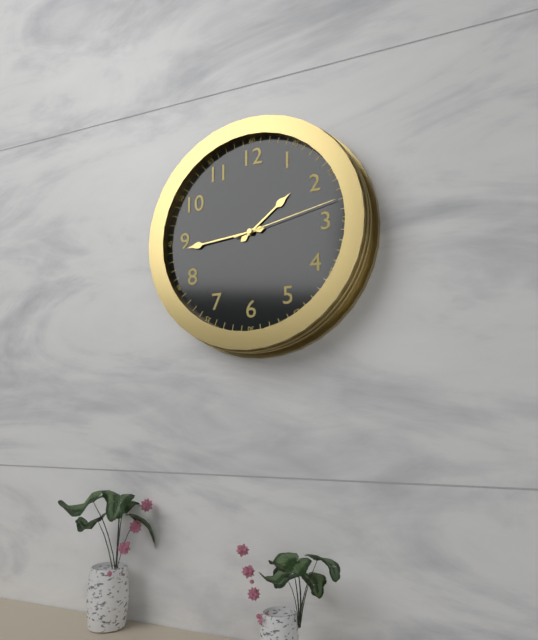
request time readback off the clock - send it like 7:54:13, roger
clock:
1:44:13
